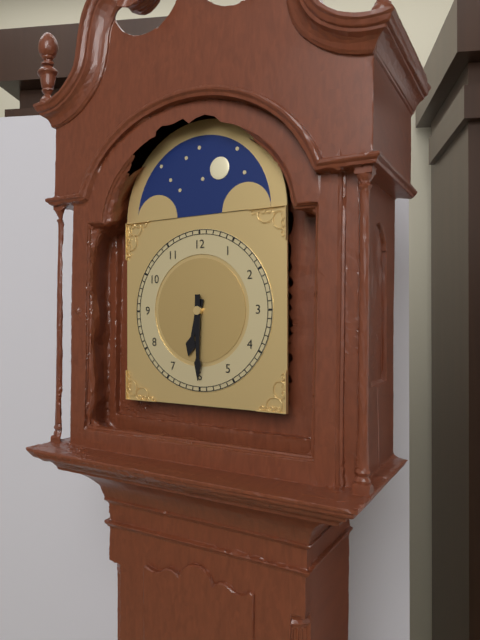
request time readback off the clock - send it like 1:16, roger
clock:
6:30
